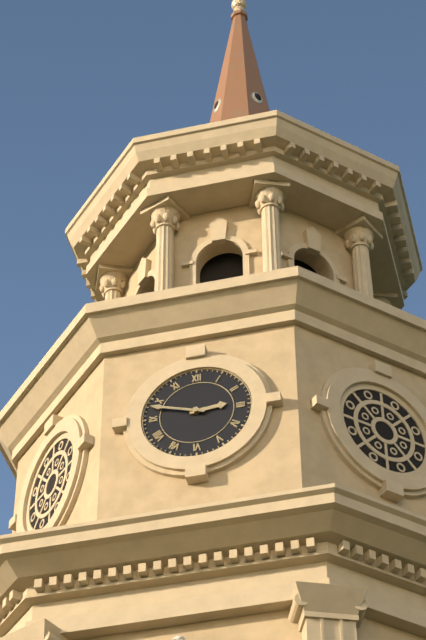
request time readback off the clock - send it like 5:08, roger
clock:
2:48
